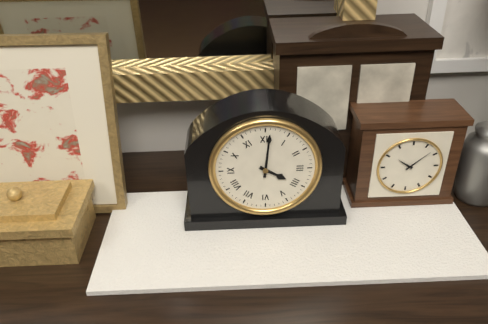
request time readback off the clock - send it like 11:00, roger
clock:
4:01
